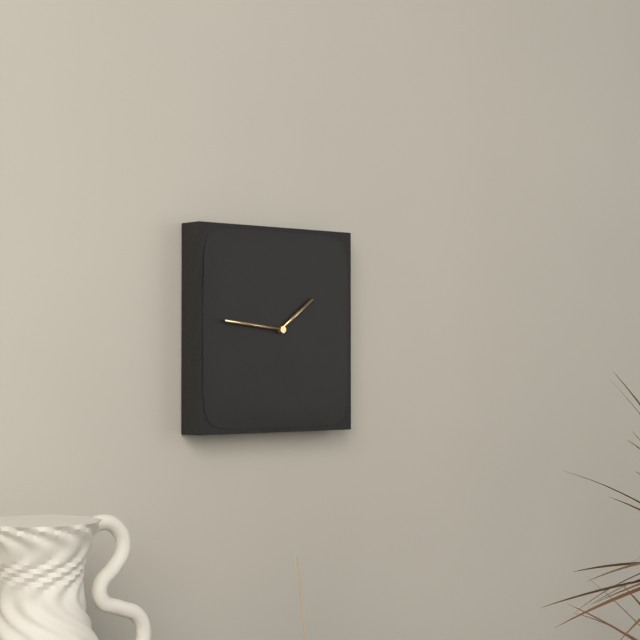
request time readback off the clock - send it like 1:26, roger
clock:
1:46
